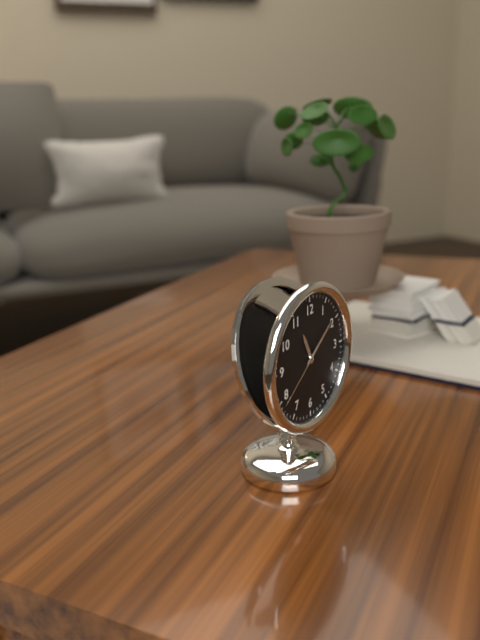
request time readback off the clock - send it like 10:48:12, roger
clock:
11:09:39
